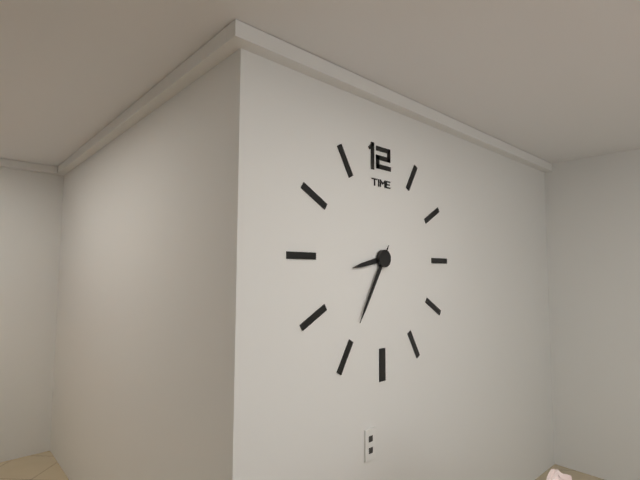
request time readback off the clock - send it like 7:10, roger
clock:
8:35
